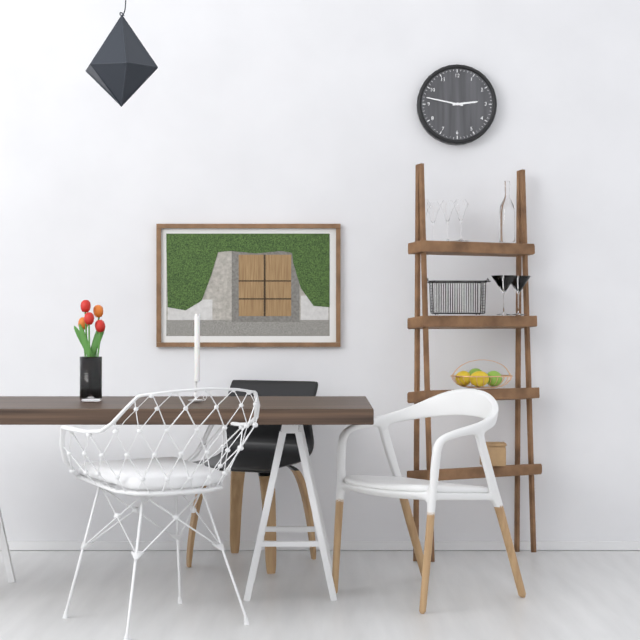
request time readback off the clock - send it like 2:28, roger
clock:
2:47
